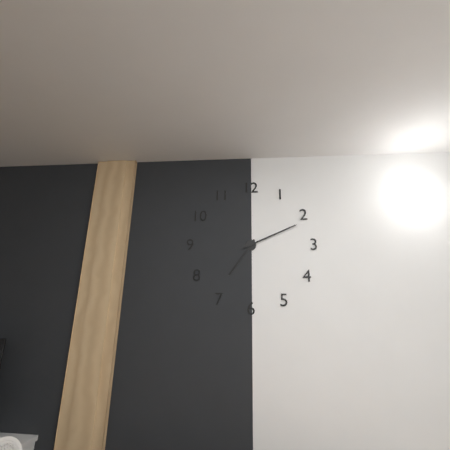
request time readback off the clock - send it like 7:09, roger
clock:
7:11
